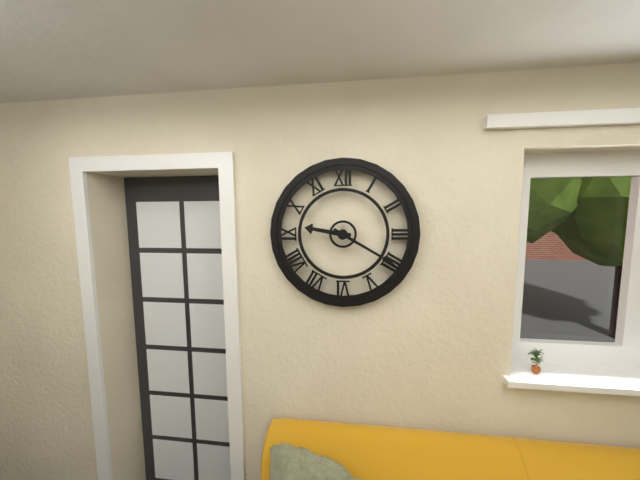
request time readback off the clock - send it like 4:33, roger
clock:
9:20
